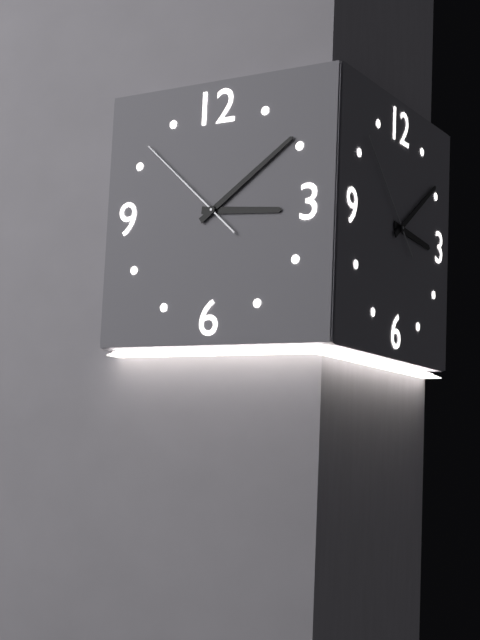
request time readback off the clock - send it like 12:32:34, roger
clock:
3:09:52
